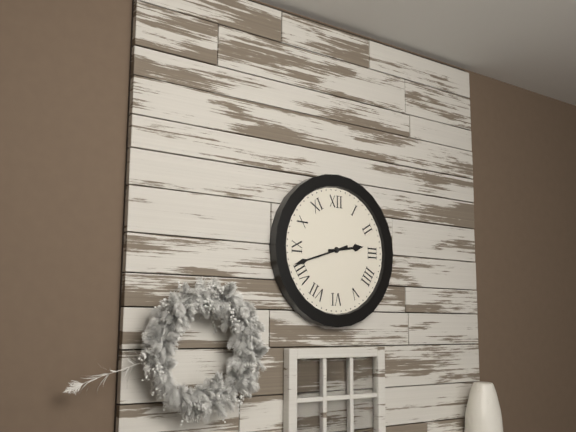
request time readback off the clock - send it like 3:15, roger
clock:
2:42
